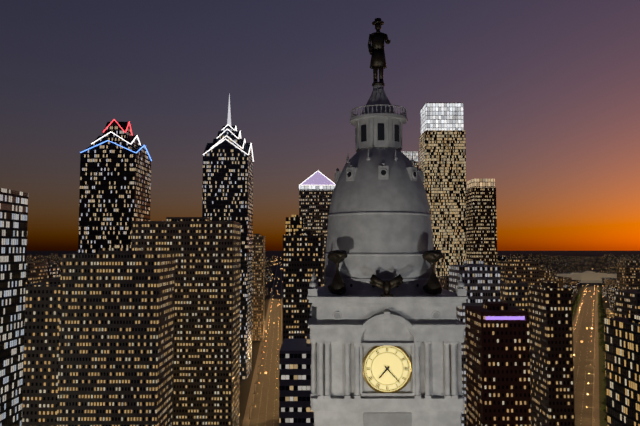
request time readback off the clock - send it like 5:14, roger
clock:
7:23
